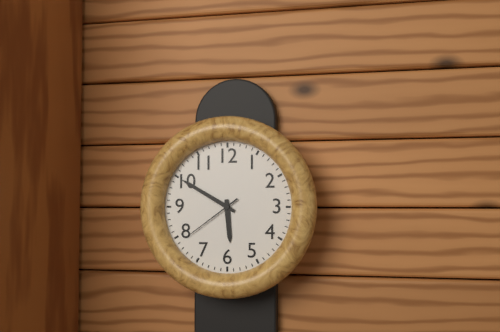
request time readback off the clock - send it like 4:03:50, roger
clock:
5:50:39
